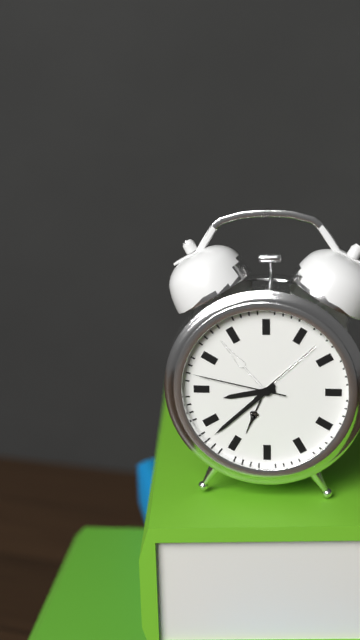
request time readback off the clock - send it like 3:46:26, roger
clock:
8:38:47
